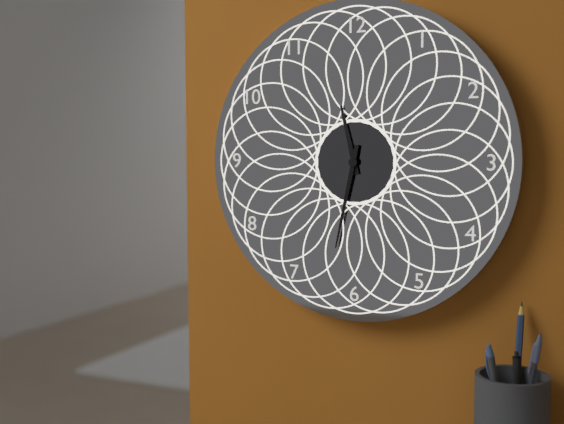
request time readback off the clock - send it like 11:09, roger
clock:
11:32
